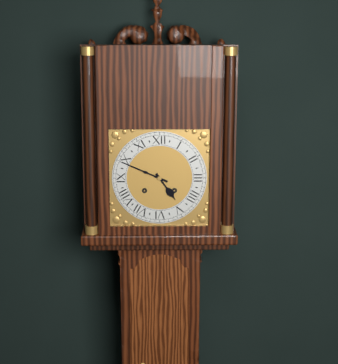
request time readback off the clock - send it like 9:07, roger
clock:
4:49
